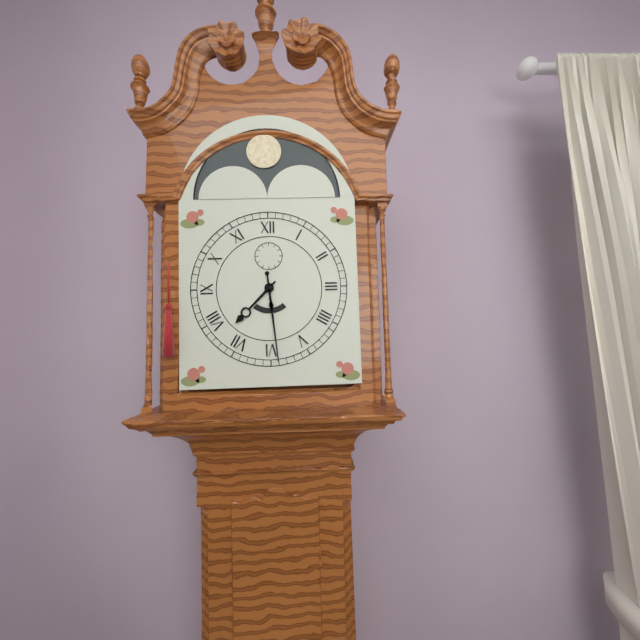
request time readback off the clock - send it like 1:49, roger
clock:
7:29
